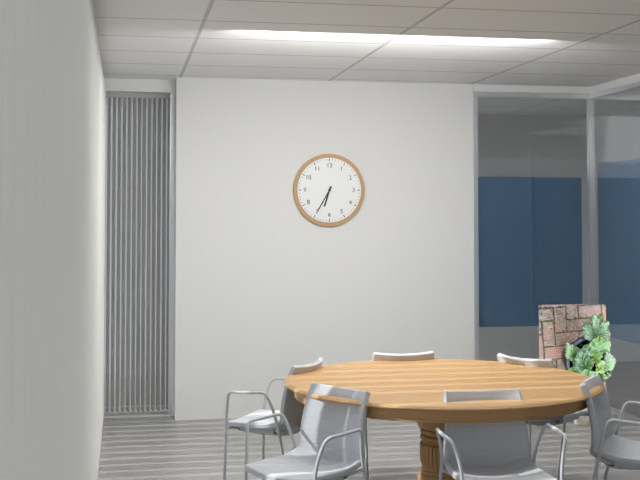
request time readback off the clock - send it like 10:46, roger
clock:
6:35
